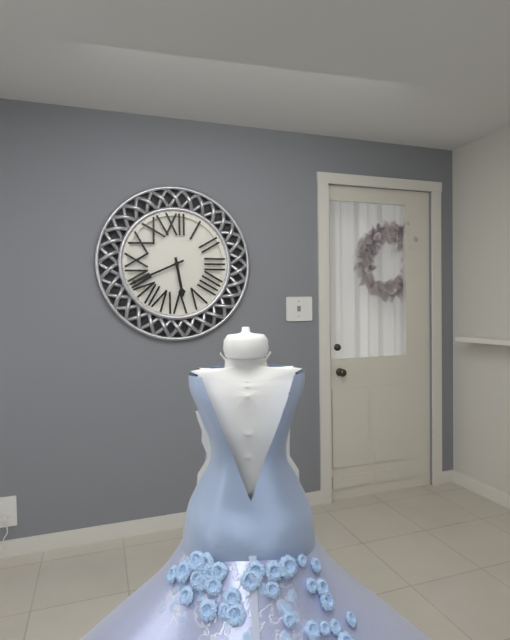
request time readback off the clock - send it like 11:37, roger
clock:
5:41
